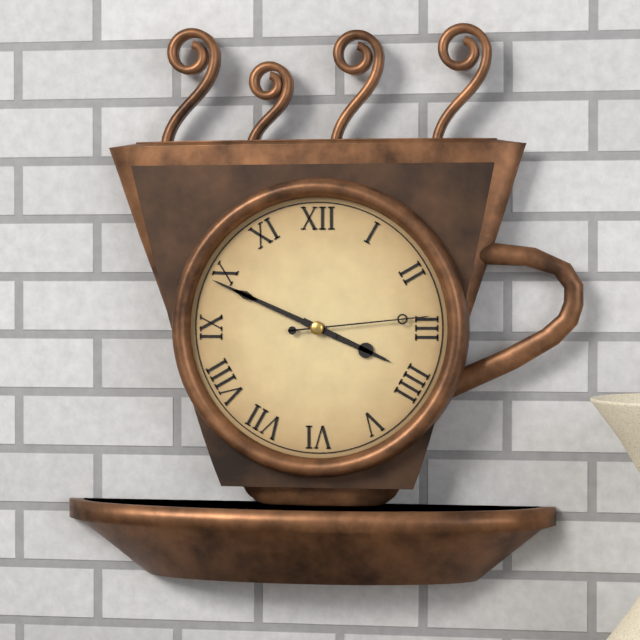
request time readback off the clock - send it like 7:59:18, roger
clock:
3:49:14
